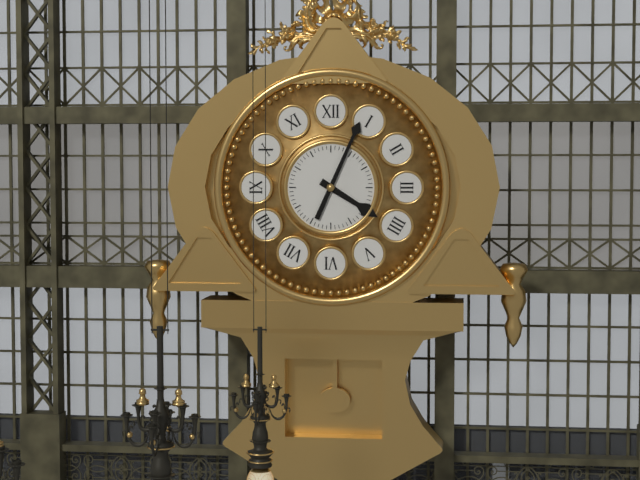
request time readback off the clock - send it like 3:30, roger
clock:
4:04
